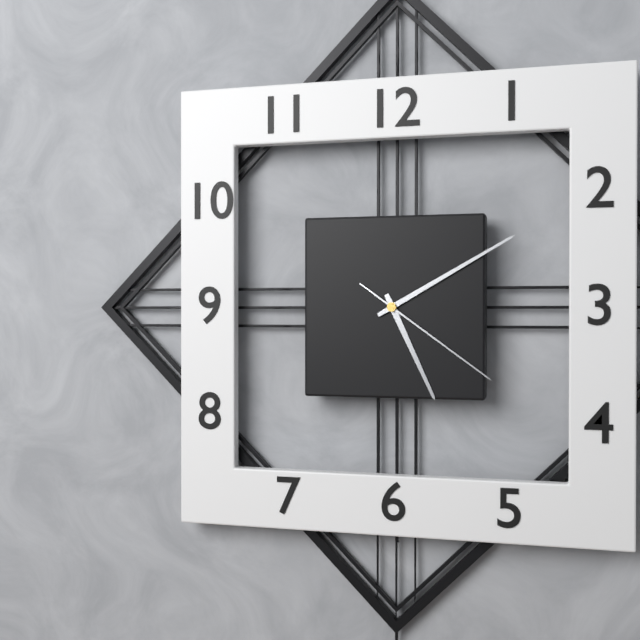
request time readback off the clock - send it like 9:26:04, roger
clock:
5:10:21
